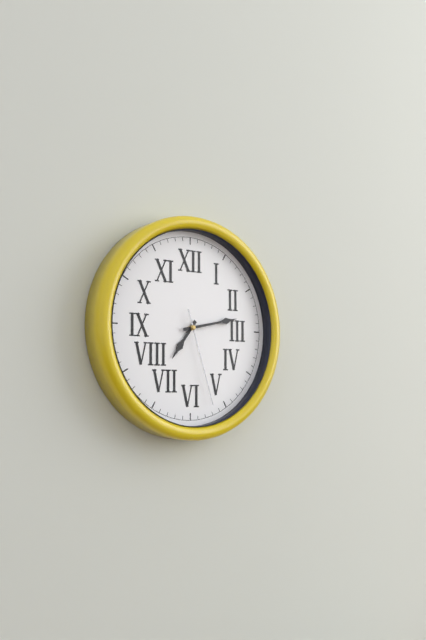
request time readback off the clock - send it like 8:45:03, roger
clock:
7:13:27
